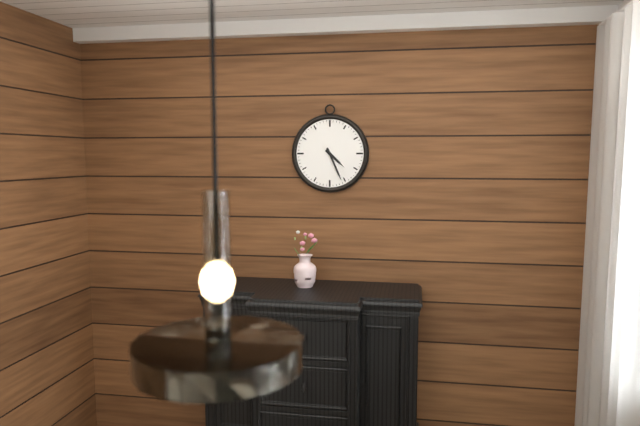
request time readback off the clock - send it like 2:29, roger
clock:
4:26
